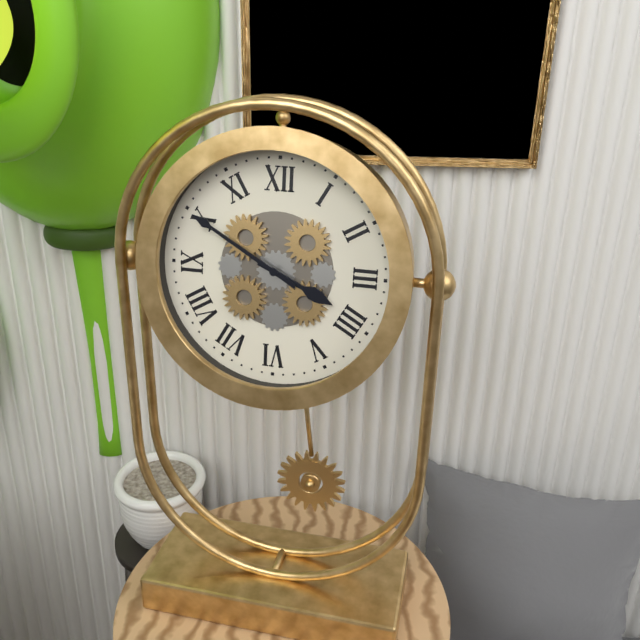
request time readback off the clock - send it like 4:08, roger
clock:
3:50
